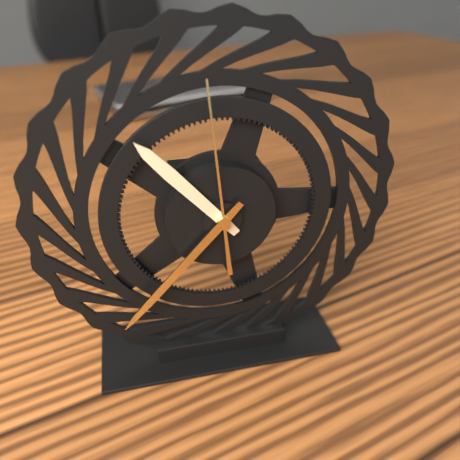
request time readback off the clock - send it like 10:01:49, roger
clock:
10:37:59
